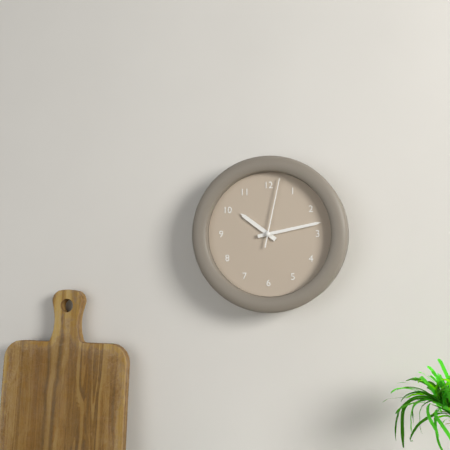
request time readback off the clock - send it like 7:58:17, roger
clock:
10:13:02
